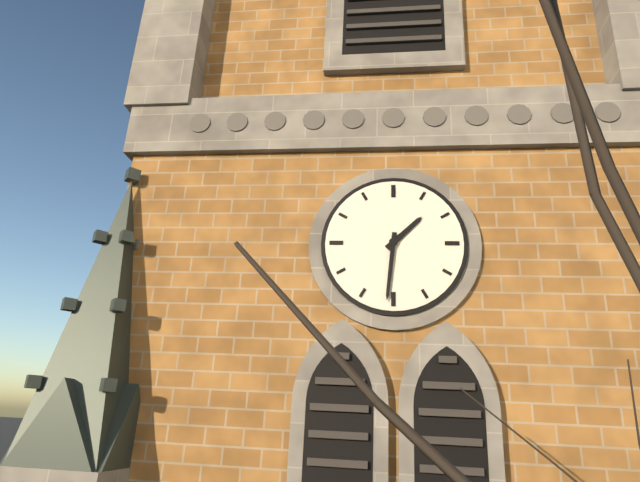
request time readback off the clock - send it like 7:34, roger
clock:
1:31
